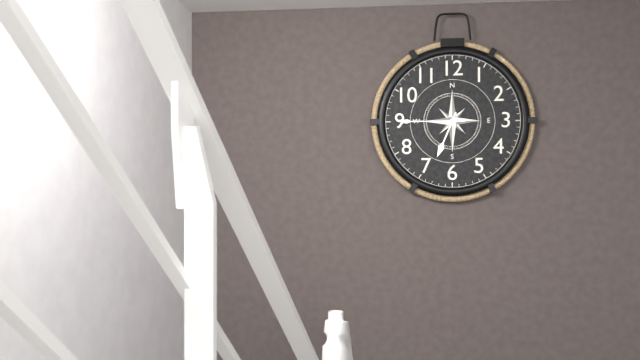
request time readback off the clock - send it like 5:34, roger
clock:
6:45
